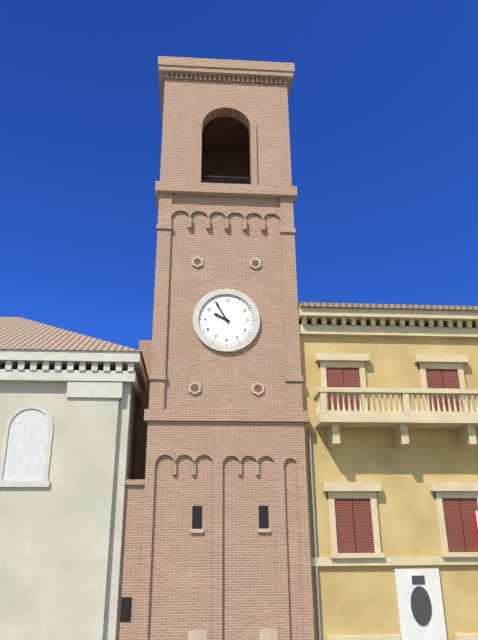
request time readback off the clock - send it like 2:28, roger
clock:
9:55
